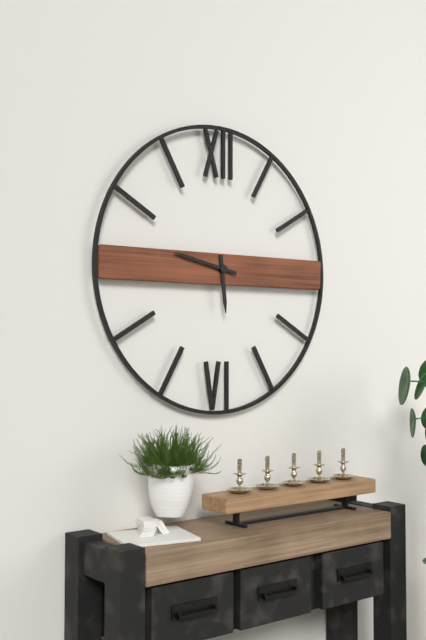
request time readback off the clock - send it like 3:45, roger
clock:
5:47
